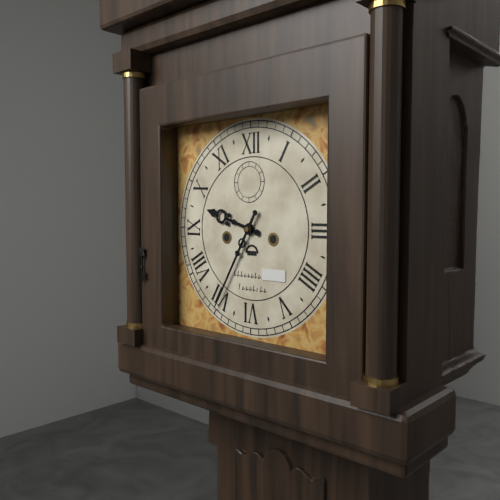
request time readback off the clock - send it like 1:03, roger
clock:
9:35
